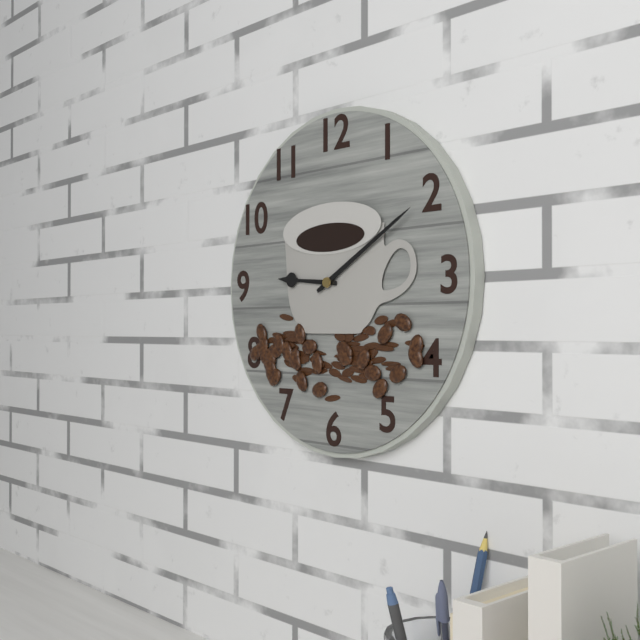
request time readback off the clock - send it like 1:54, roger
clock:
9:10
